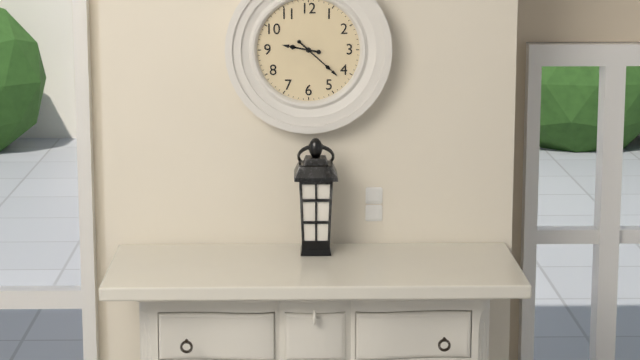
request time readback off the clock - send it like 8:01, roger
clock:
9:22
